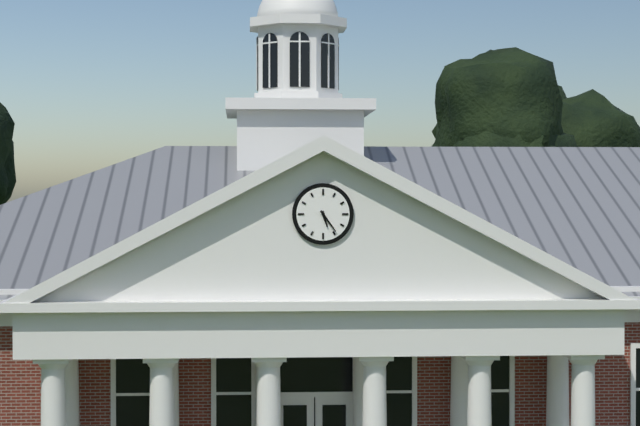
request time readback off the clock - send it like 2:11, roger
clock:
5:24
